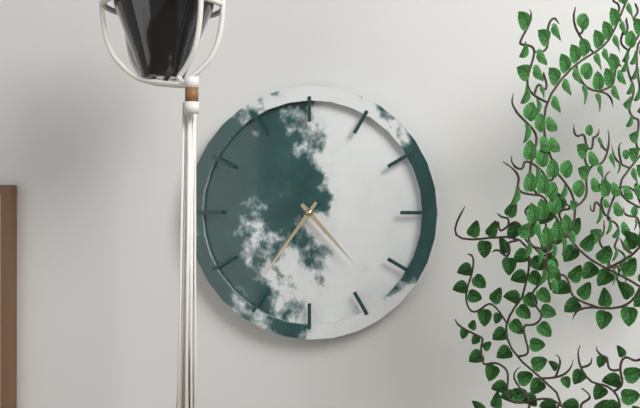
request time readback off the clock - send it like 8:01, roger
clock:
4:36
